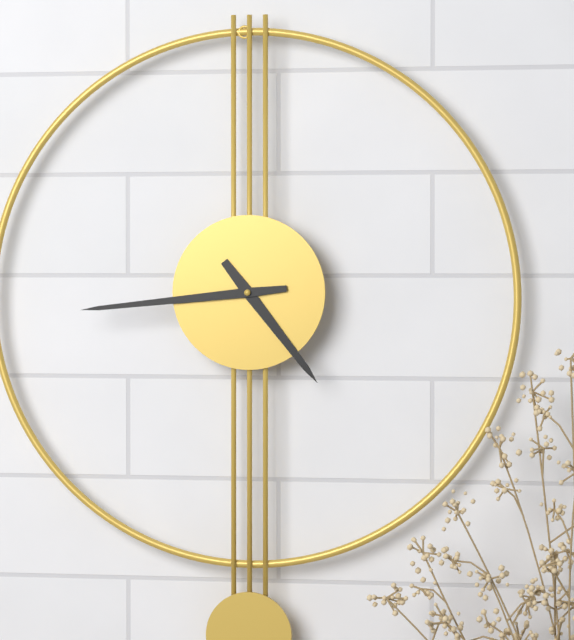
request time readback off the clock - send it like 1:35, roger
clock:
4:44
